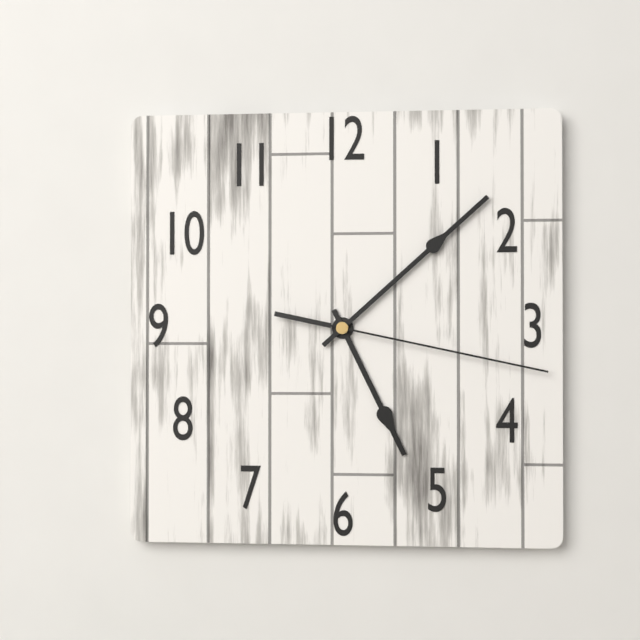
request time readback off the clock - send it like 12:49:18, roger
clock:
5:08:17
